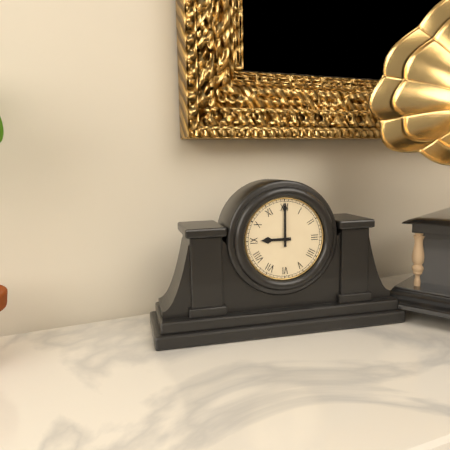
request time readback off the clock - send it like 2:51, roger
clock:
9:00
